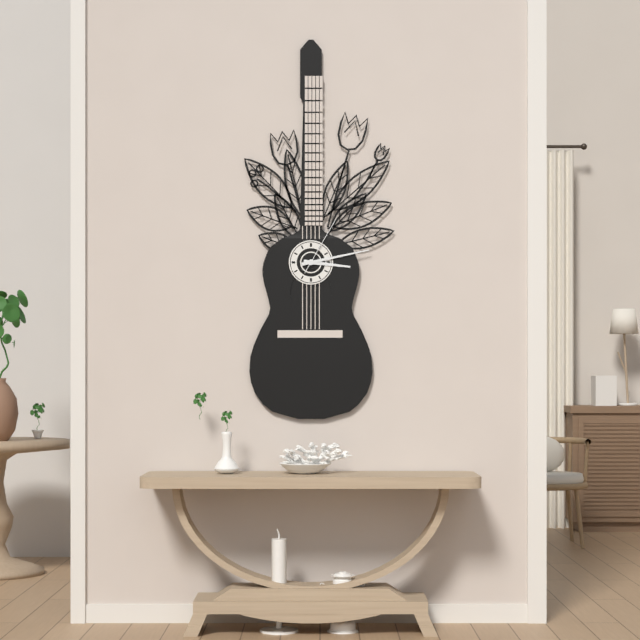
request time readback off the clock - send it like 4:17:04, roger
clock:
3:13:05
